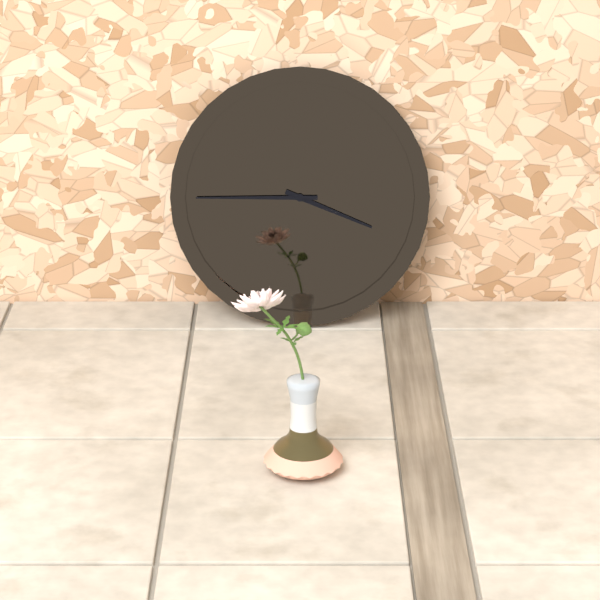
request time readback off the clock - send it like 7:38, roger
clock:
3:45
